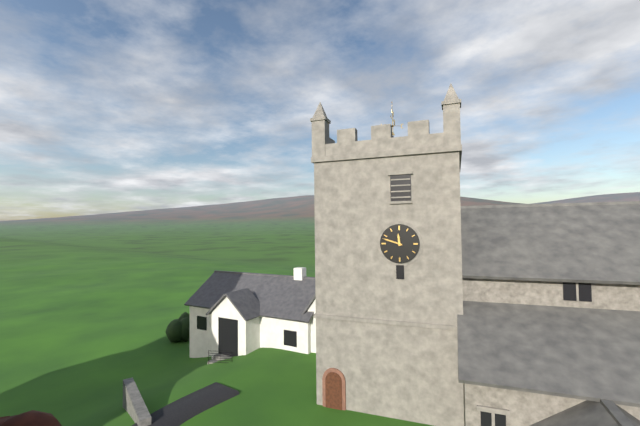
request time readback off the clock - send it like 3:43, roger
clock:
11:48
